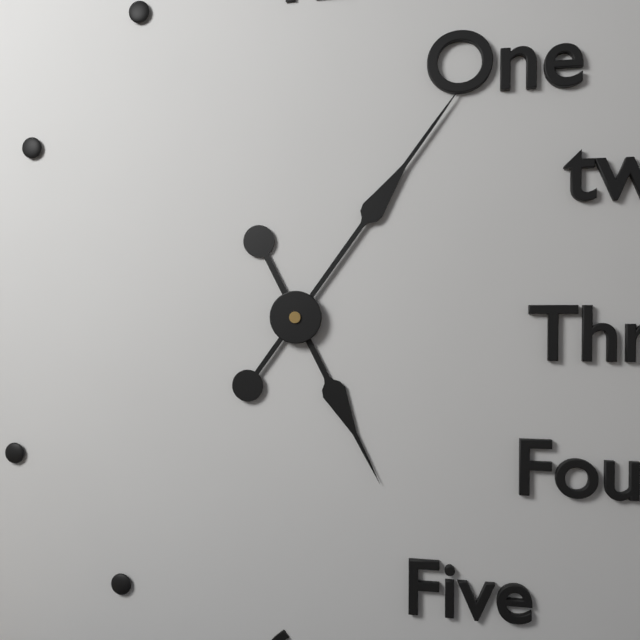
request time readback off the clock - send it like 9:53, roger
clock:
5:06
